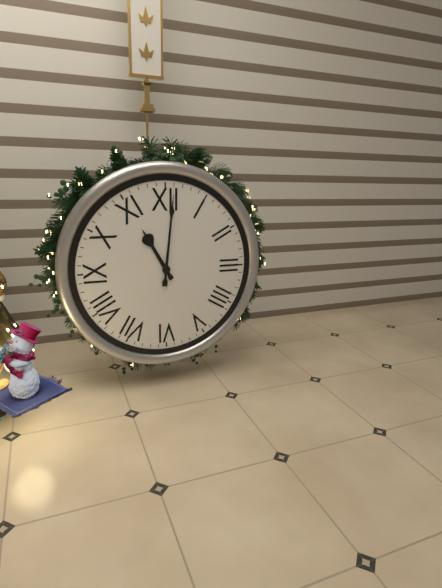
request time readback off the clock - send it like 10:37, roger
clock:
11:01
